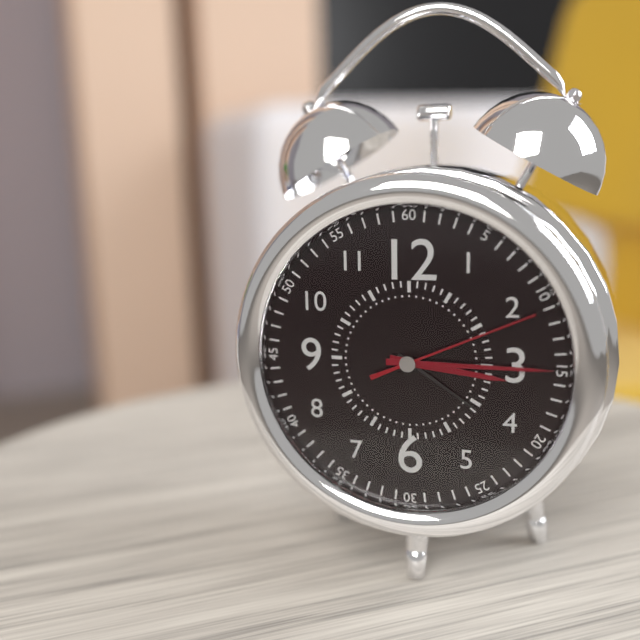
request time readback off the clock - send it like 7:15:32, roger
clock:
3:15:11
